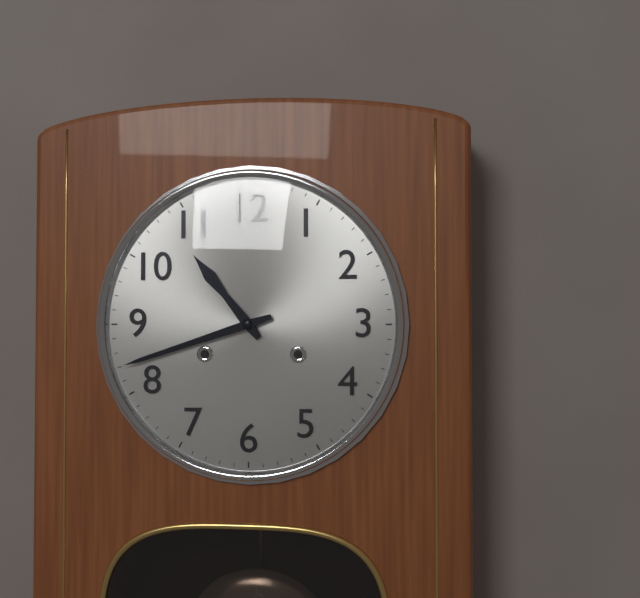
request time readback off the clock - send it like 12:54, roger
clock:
10:42
